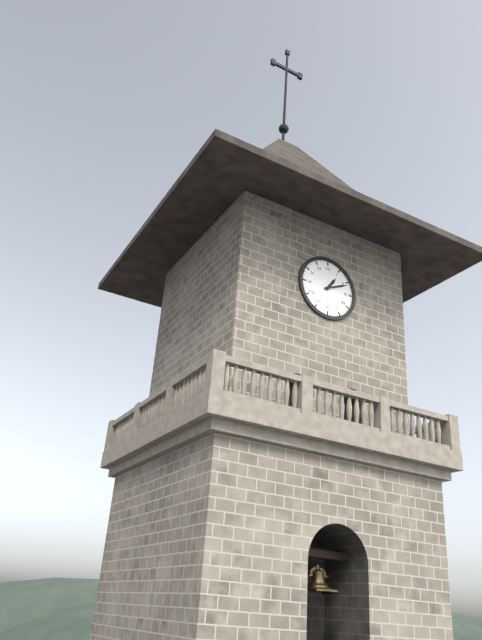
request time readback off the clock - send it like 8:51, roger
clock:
1:11
